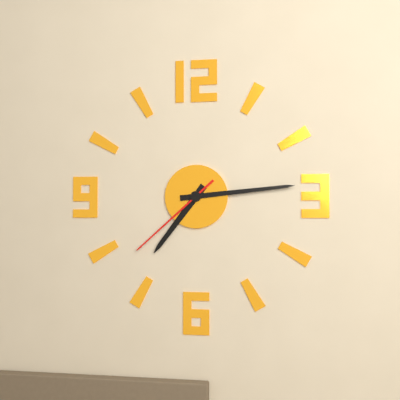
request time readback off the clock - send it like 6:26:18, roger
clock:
7:14:38
